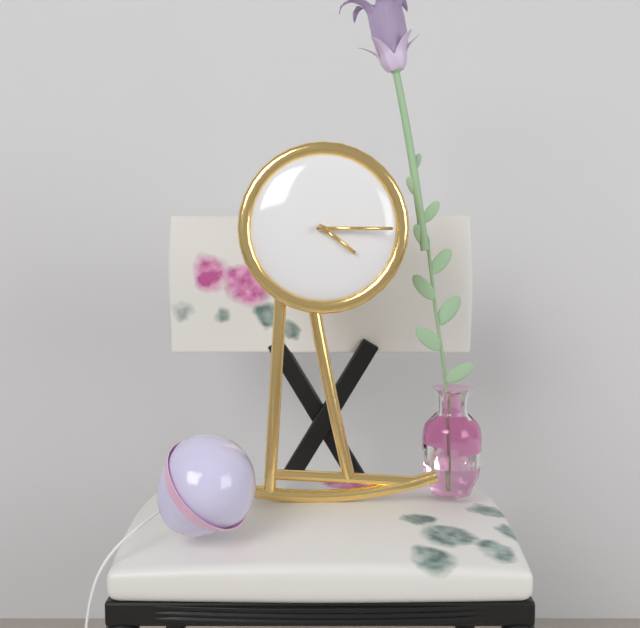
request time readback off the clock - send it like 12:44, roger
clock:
4:15
